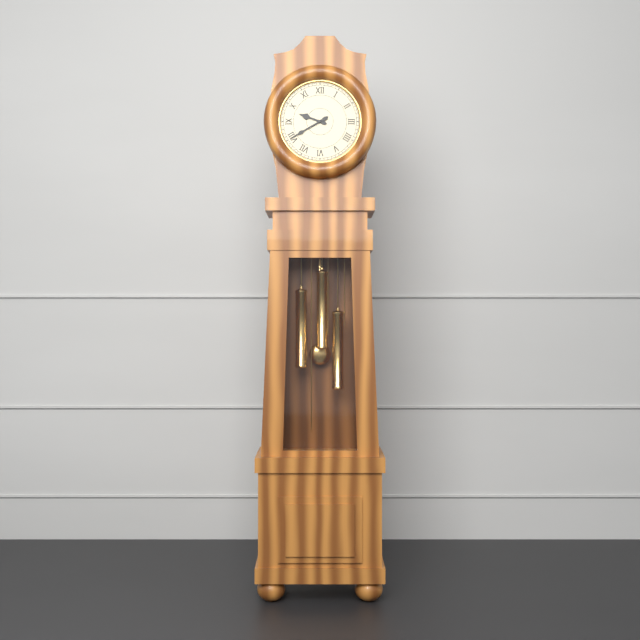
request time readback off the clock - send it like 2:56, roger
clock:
9:40
